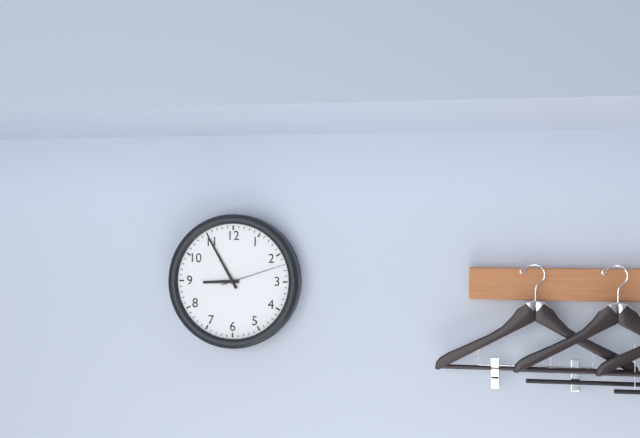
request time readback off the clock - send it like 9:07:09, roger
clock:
8:55:12
